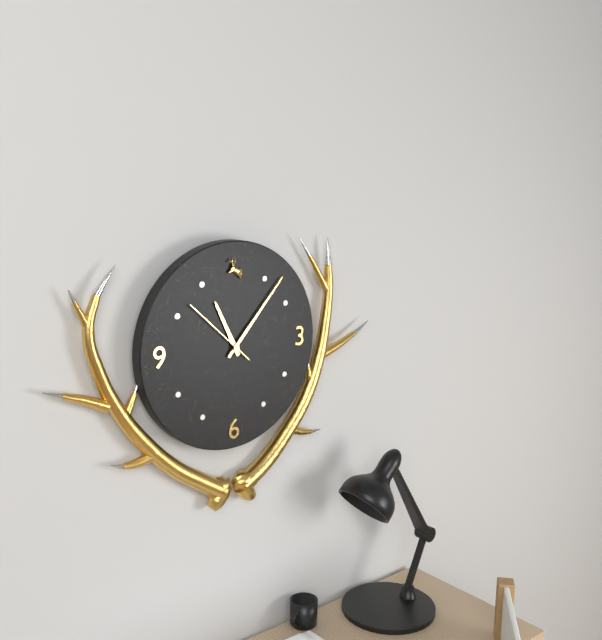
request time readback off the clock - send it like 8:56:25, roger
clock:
11:07:52
